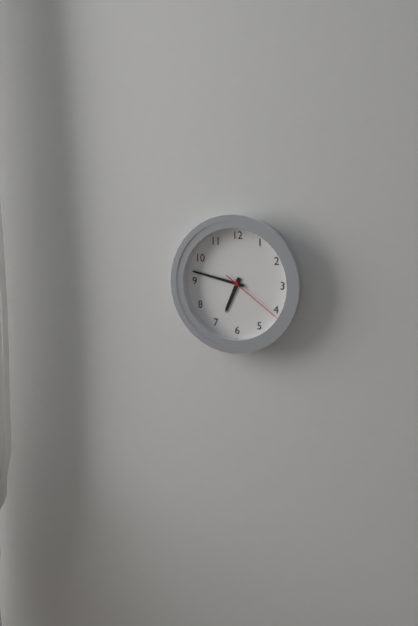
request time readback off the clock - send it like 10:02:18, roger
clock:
6:47:21
